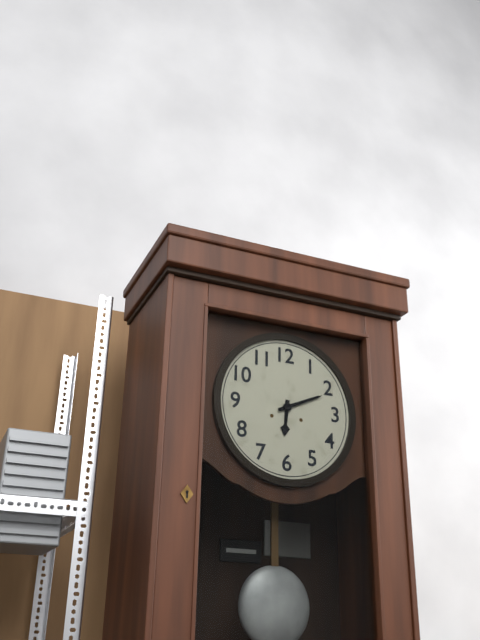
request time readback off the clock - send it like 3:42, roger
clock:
6:11
